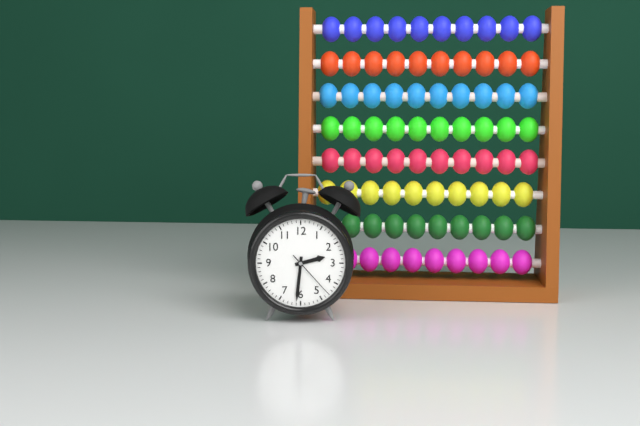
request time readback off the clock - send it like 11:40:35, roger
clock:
2:31:23
